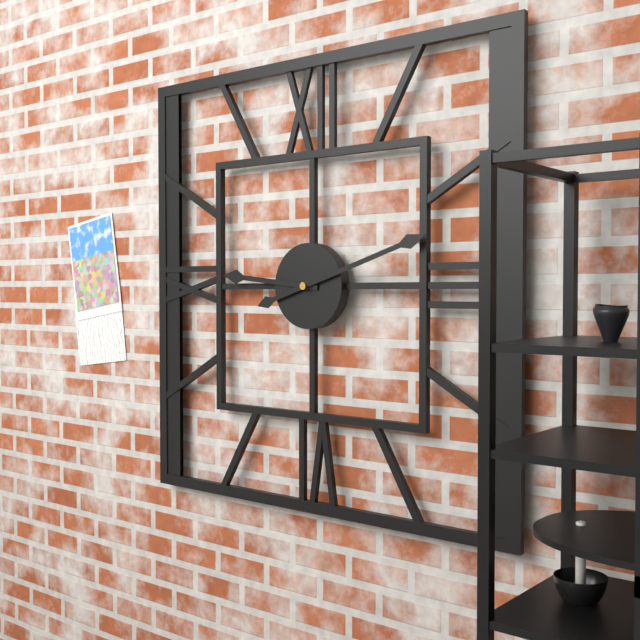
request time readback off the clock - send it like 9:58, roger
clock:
9:12
